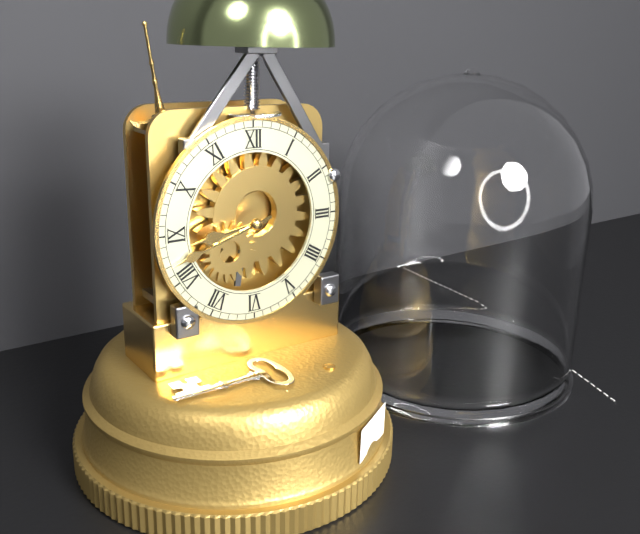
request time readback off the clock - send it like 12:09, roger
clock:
8:42
